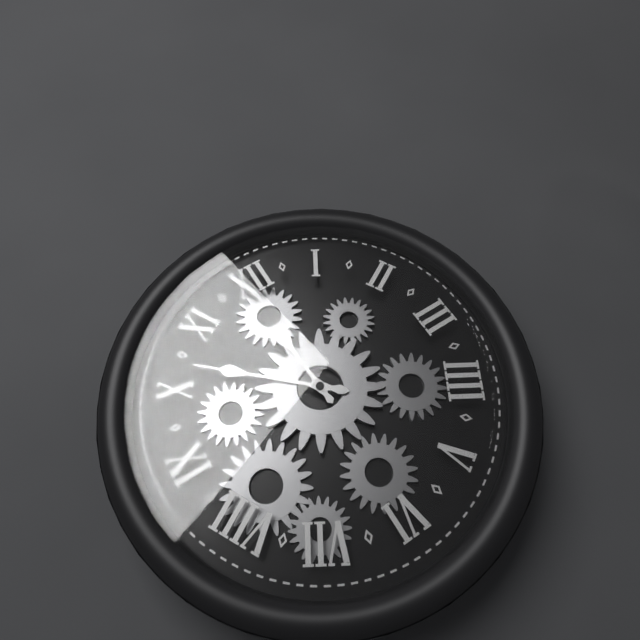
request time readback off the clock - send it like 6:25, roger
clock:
11:52
